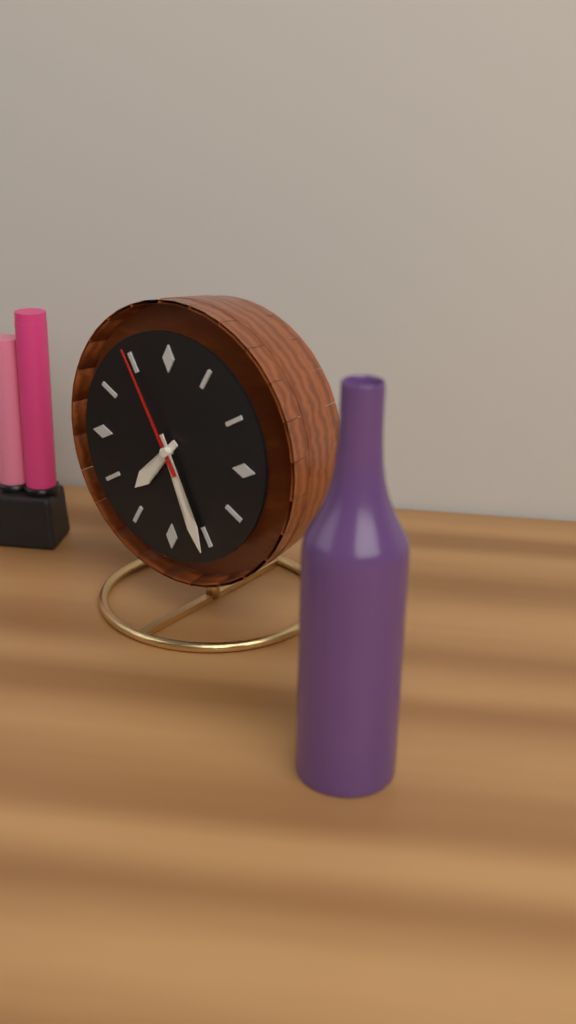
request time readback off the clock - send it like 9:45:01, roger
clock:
7:26:55
